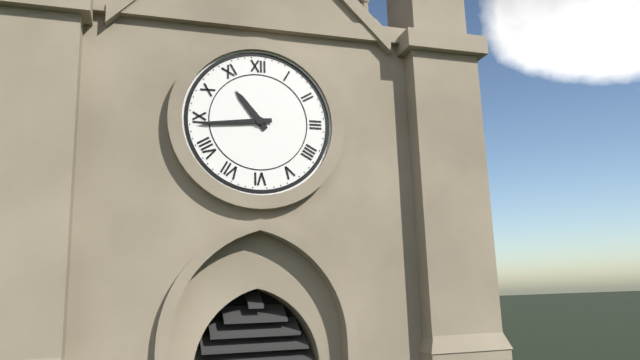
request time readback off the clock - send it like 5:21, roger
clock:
10:44
